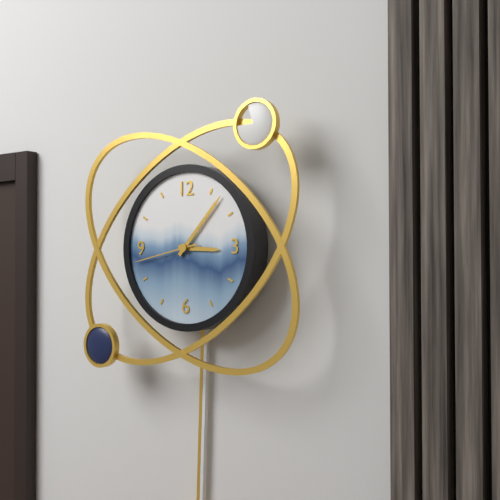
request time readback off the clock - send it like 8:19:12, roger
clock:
3:07:43
